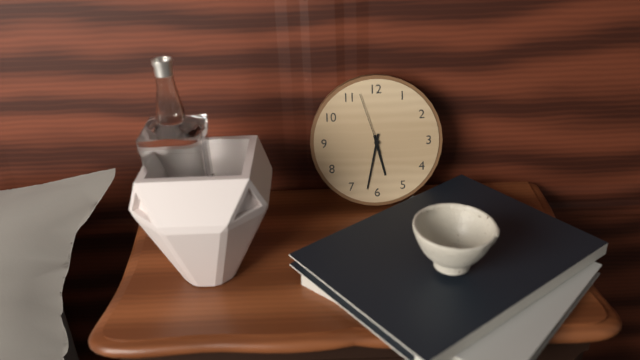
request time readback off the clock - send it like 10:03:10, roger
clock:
5:32:57
